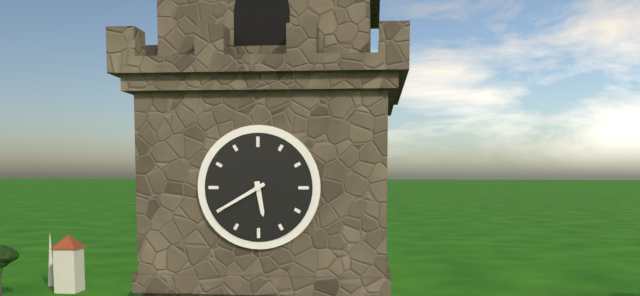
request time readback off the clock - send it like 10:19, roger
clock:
5:40
